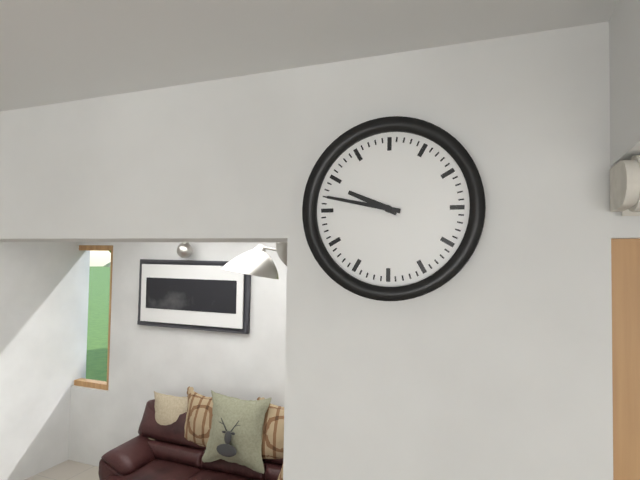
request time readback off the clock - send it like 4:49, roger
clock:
9:47
